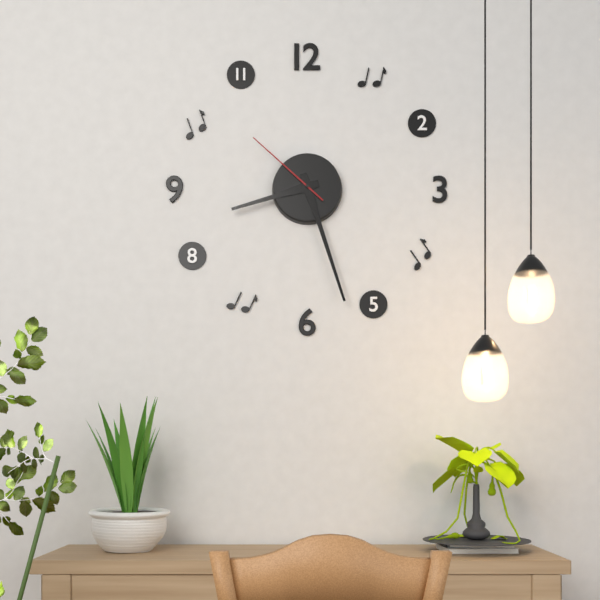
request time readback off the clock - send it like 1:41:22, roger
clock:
8:27:52
